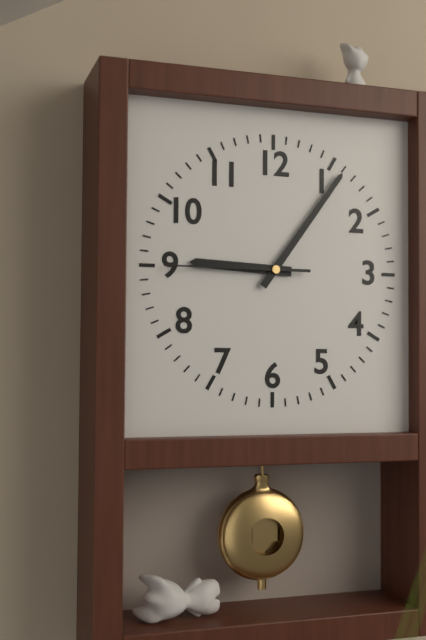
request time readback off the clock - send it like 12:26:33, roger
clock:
9:06:45
